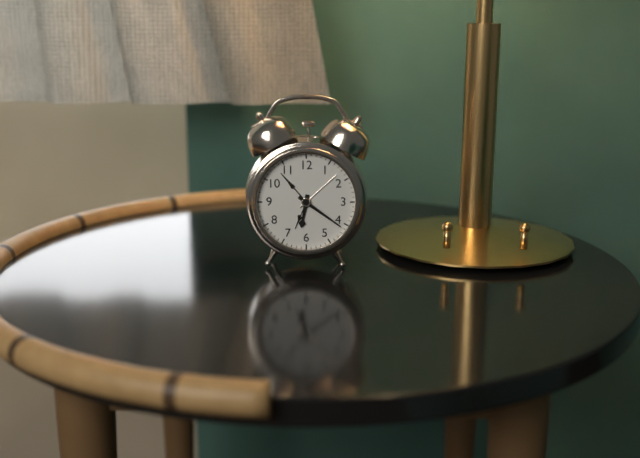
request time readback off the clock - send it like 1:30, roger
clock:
6:21
